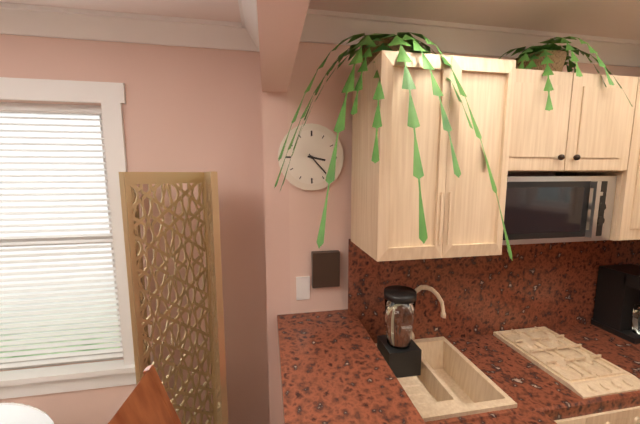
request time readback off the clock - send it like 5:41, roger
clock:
3:23
